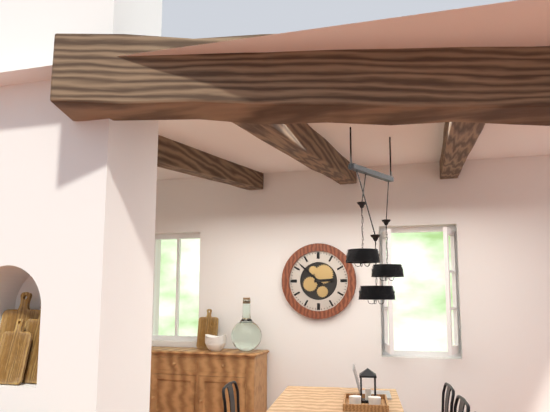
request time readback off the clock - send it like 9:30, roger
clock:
2:52
